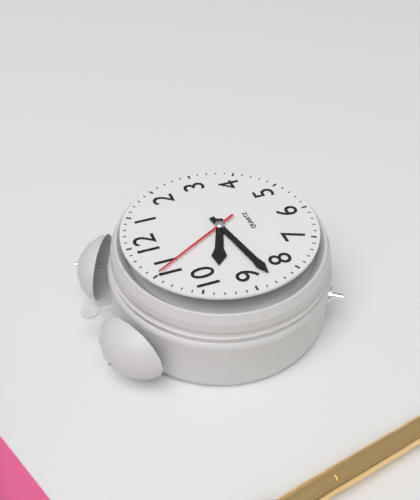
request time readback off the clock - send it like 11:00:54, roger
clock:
9:43:55
